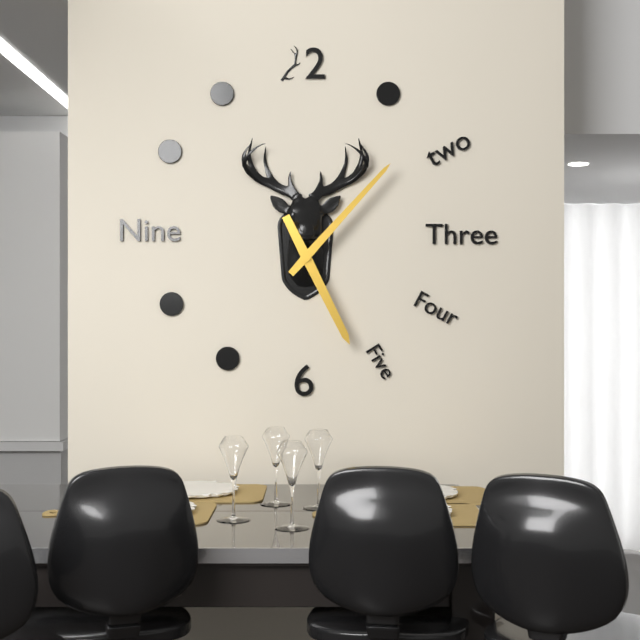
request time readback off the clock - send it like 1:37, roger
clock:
5:07
